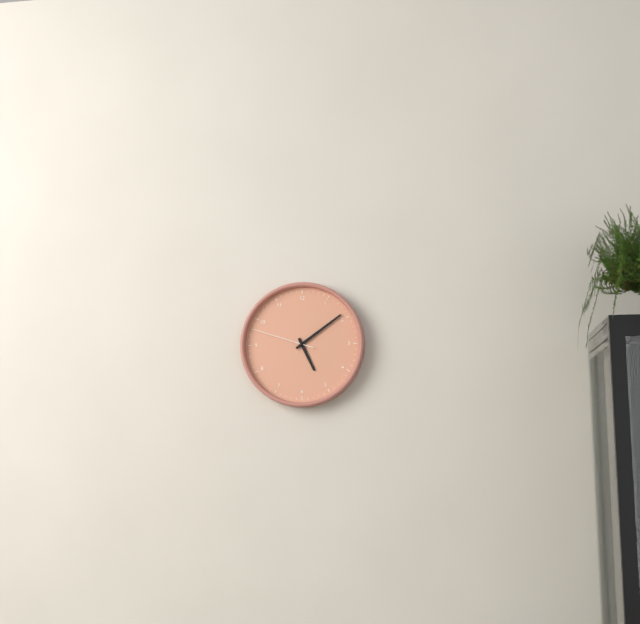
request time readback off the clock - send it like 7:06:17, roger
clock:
5:09:48
